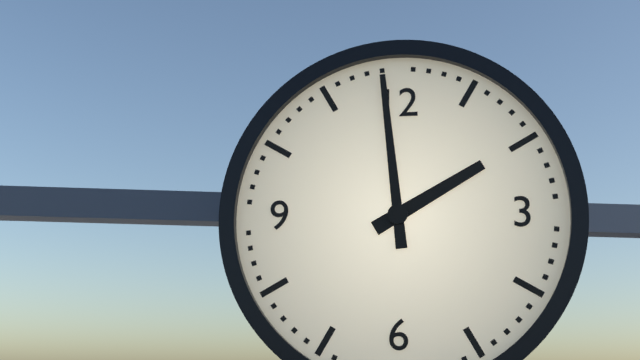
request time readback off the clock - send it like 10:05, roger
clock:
1:59
